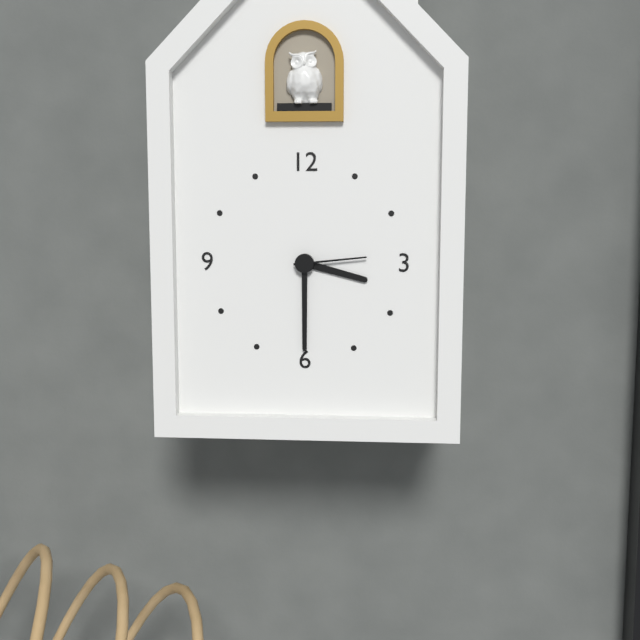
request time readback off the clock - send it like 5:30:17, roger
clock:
3:30:14
